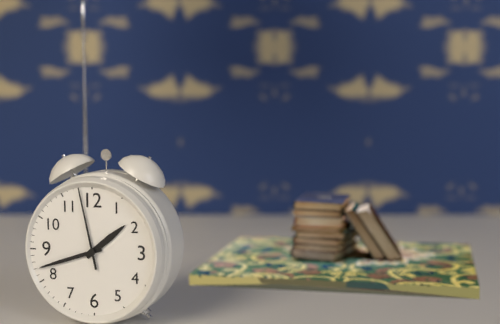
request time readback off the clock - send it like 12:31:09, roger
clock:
1:42:58
